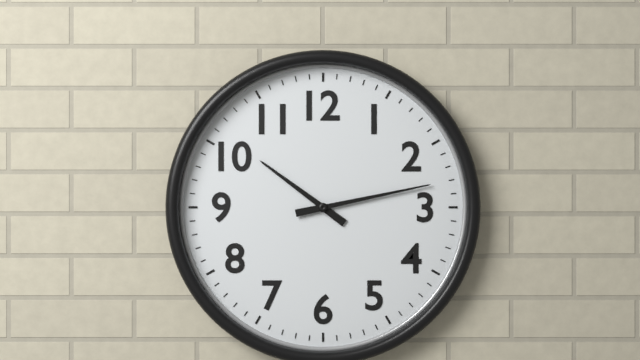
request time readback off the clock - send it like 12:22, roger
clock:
10:13
